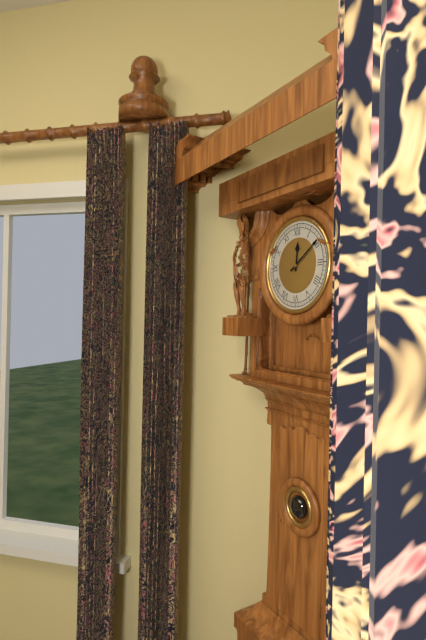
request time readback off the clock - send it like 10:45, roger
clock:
12:09
